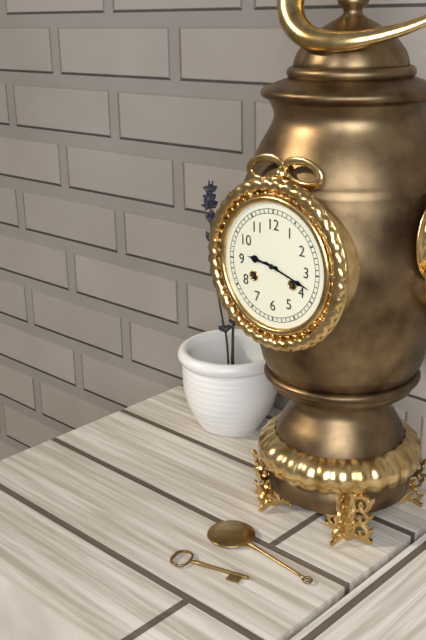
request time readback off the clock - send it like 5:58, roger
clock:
9:18
